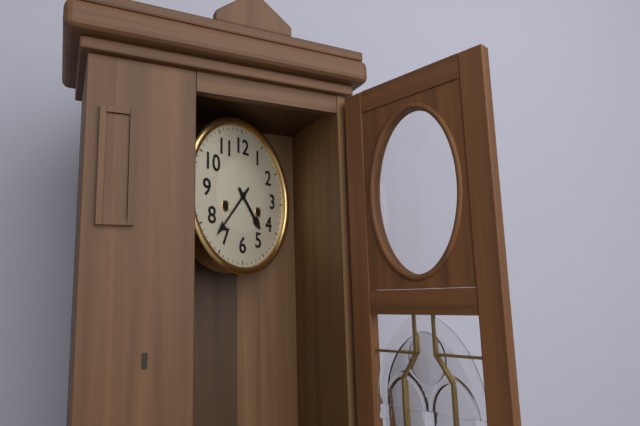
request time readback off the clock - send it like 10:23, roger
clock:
4:37
